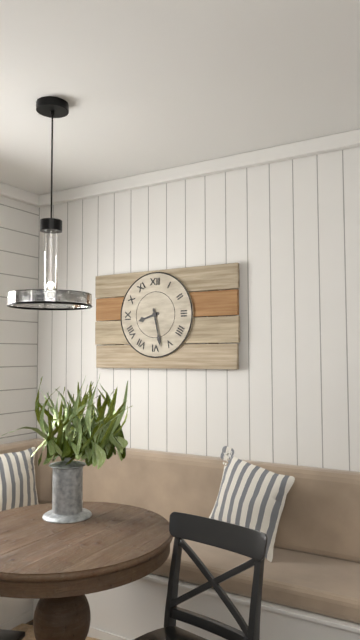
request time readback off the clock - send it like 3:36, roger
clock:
8:28
